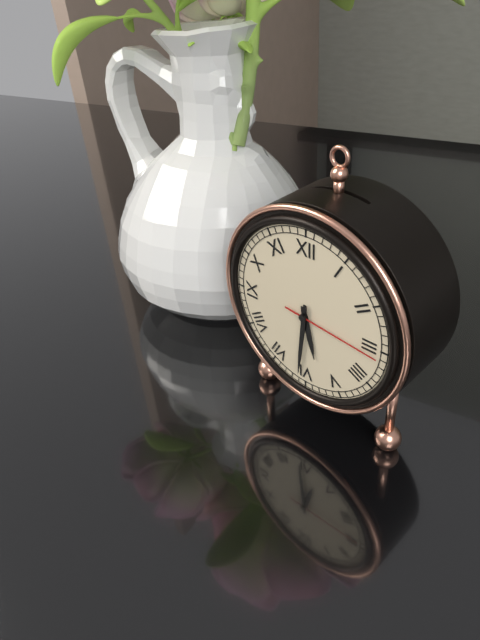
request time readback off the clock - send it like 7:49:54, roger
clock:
5:31:16
